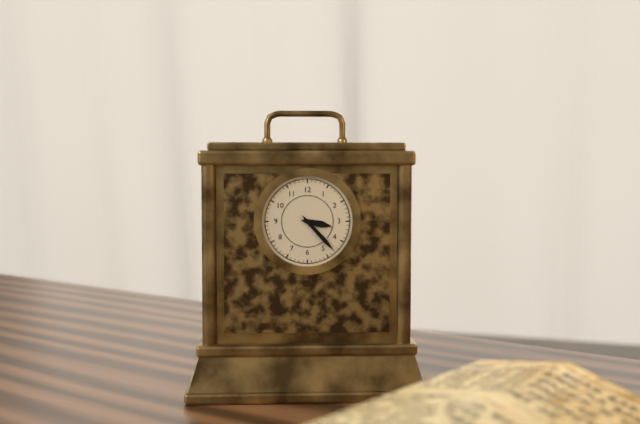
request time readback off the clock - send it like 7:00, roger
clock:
3:23
